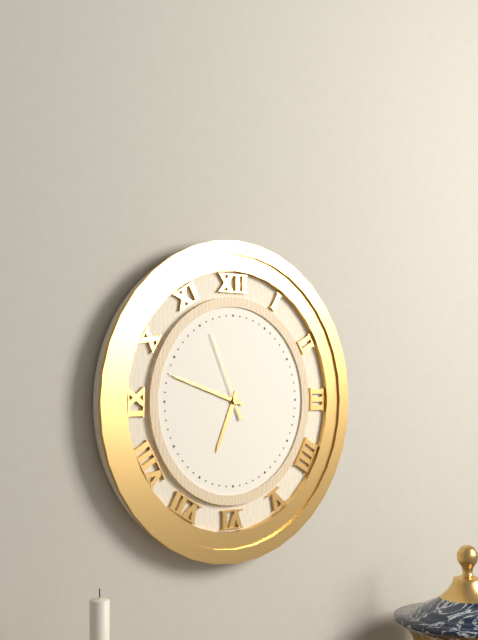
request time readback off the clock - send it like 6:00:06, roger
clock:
6:48:56
